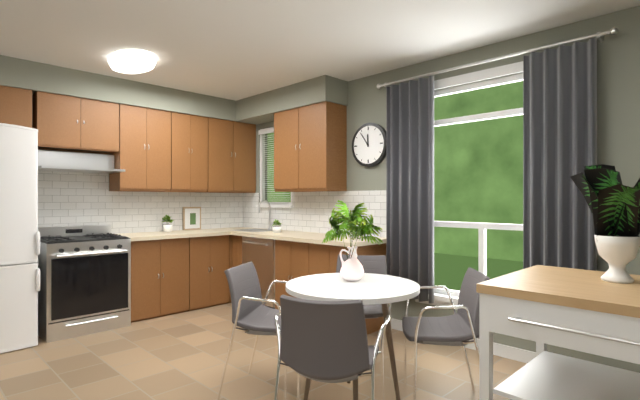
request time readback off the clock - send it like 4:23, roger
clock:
11:54
